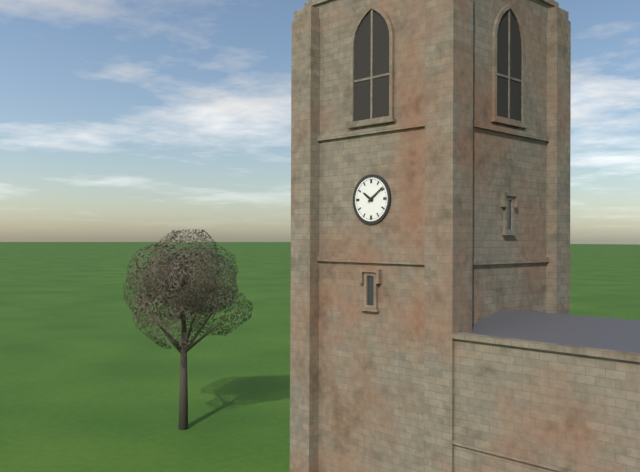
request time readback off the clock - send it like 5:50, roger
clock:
10:09
